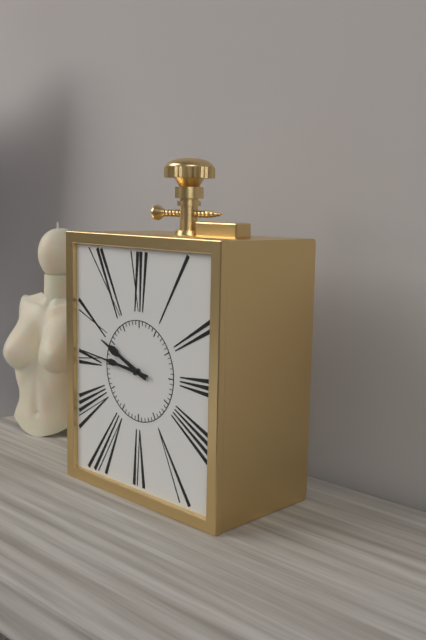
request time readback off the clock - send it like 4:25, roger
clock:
9:46
